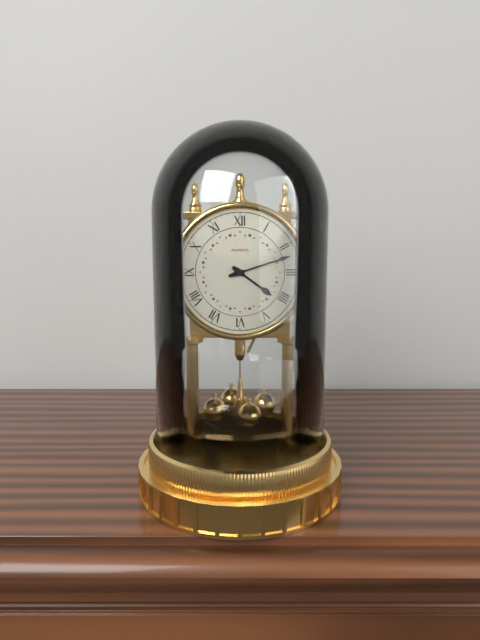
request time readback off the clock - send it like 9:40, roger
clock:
4:12
